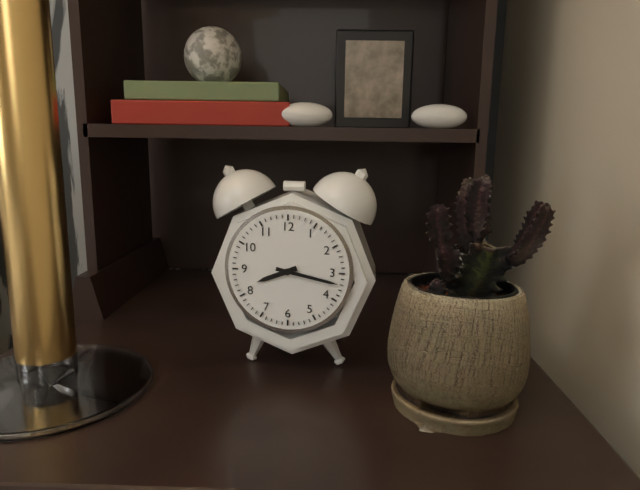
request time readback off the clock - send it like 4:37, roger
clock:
8:17
